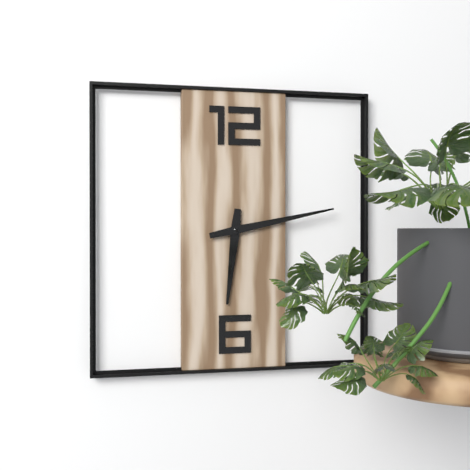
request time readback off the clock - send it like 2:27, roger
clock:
6:13
